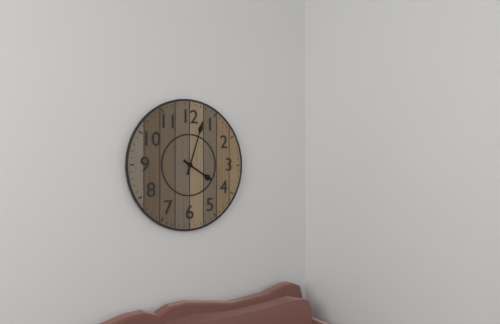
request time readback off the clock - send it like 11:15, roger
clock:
4:03
